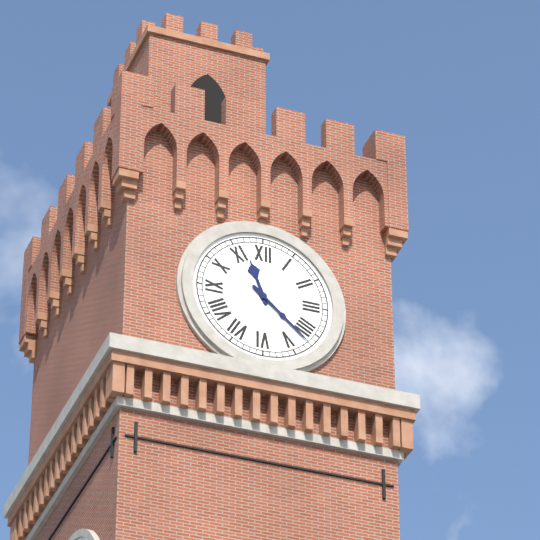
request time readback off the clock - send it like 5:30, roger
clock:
11:22
